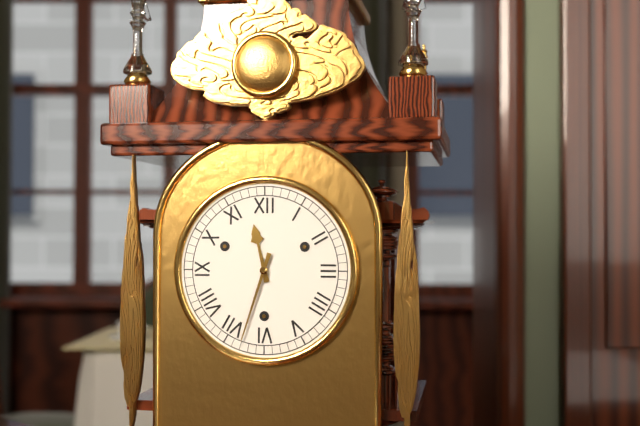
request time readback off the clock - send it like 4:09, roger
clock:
11:33
